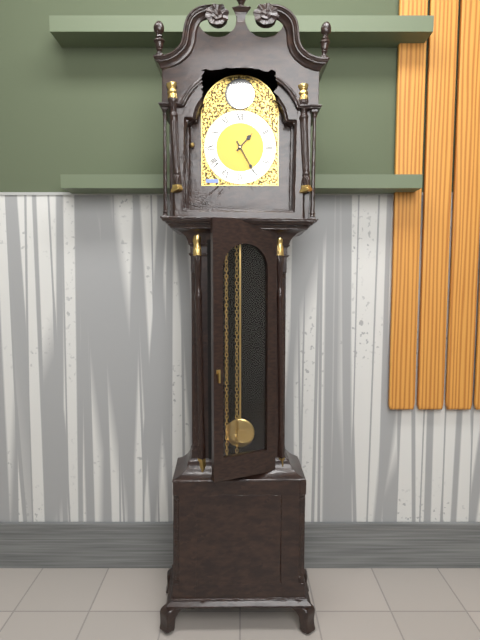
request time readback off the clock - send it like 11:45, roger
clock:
1:25
